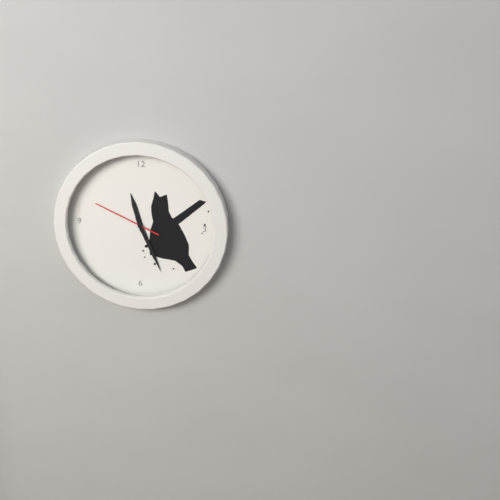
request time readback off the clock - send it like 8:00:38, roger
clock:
11:26:49
